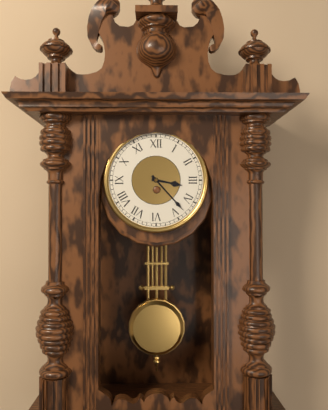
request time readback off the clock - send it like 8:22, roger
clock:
3:23
